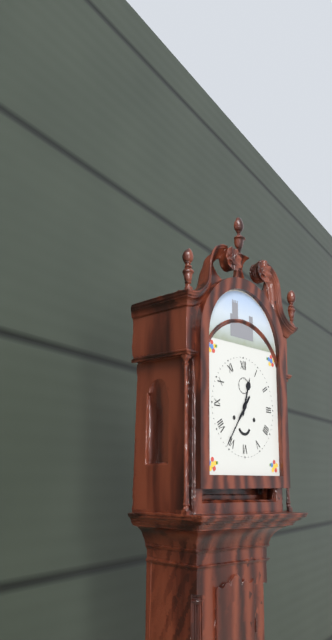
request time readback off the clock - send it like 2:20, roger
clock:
12:36
